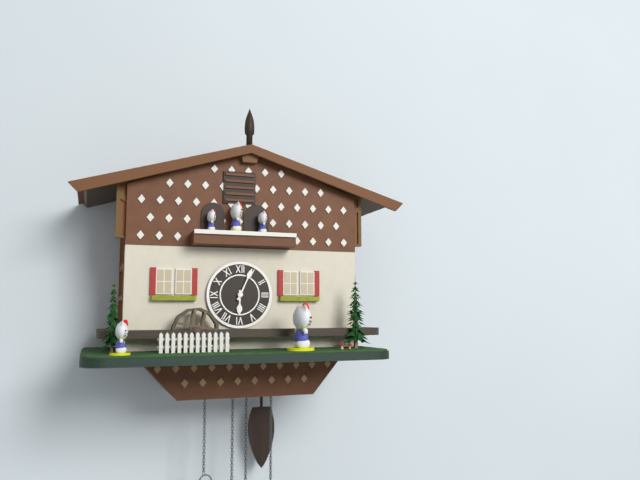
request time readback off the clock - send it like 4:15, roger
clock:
6:04
